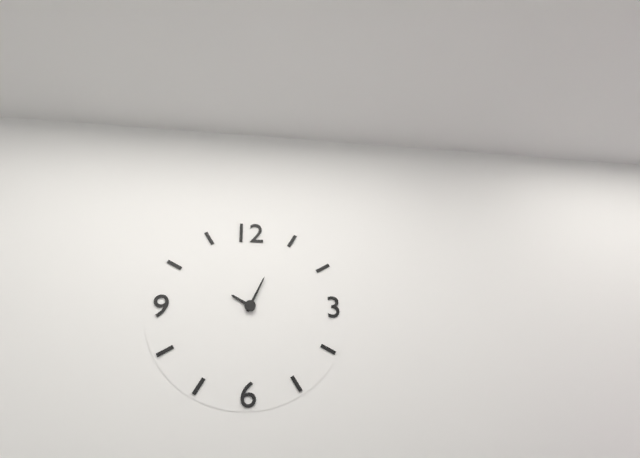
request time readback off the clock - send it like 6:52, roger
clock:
10:04
